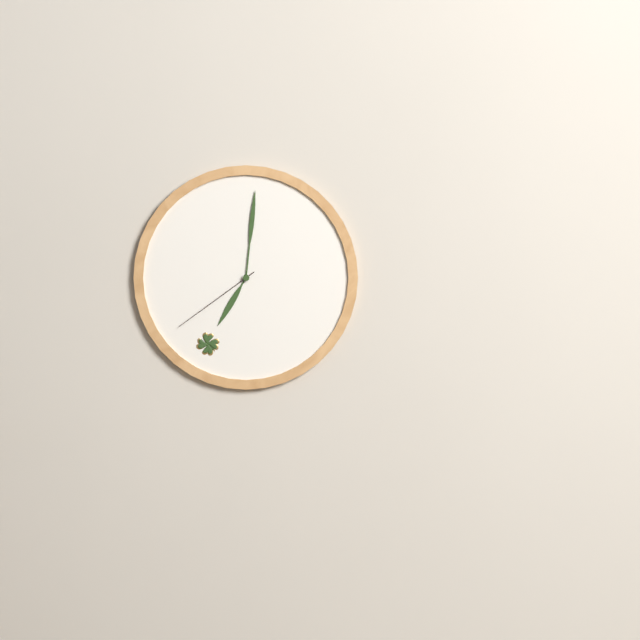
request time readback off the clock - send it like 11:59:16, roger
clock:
7:01:39
